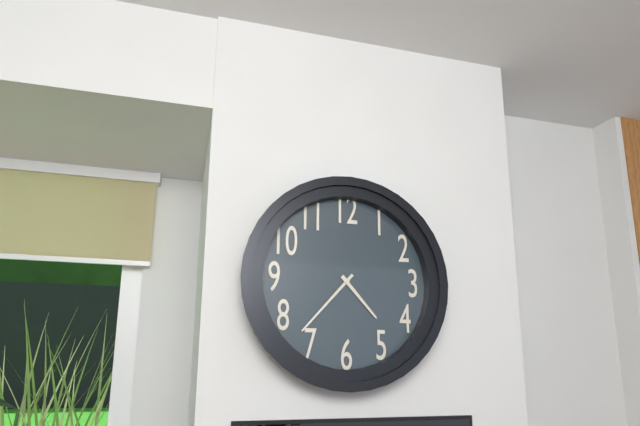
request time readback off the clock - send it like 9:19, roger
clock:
4:37
